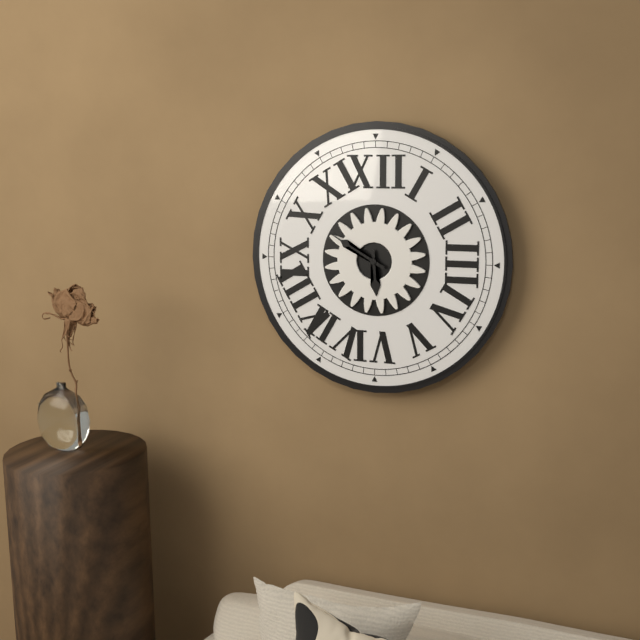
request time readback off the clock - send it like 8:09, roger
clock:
5:50
